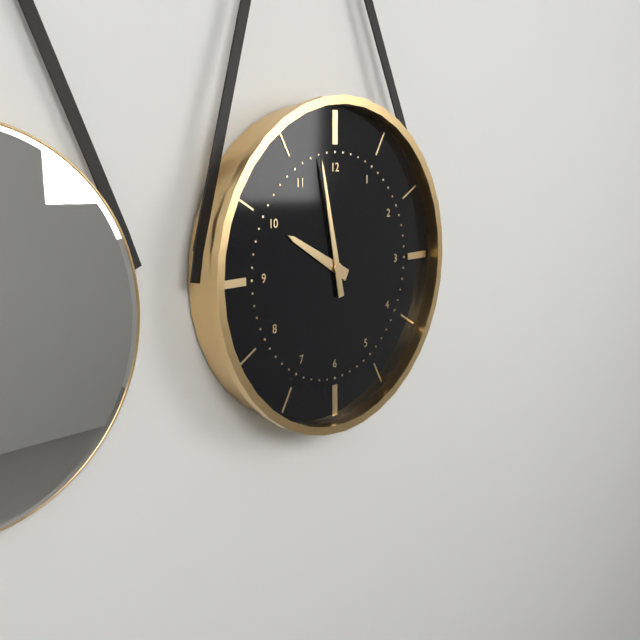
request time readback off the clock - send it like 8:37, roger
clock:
9:58
